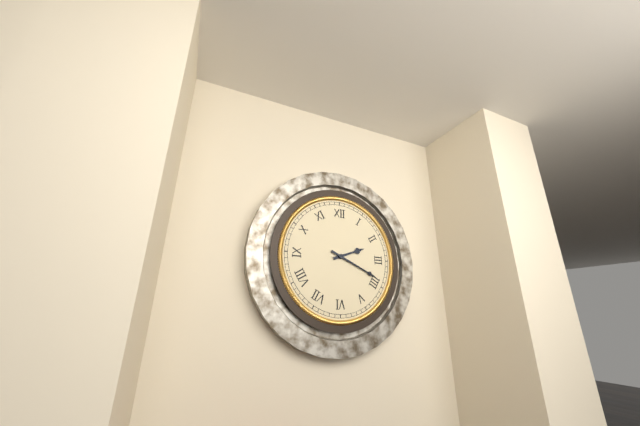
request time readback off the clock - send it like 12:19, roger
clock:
2:19
